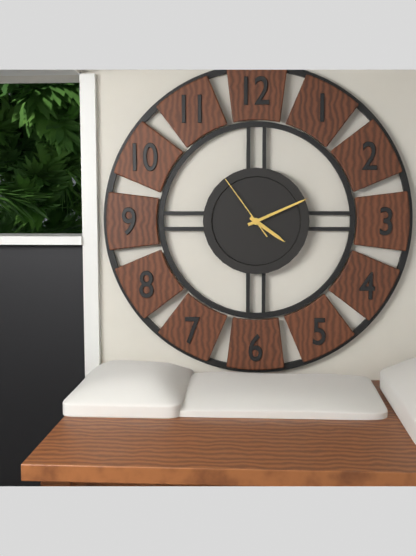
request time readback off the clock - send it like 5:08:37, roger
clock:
4:11:54
